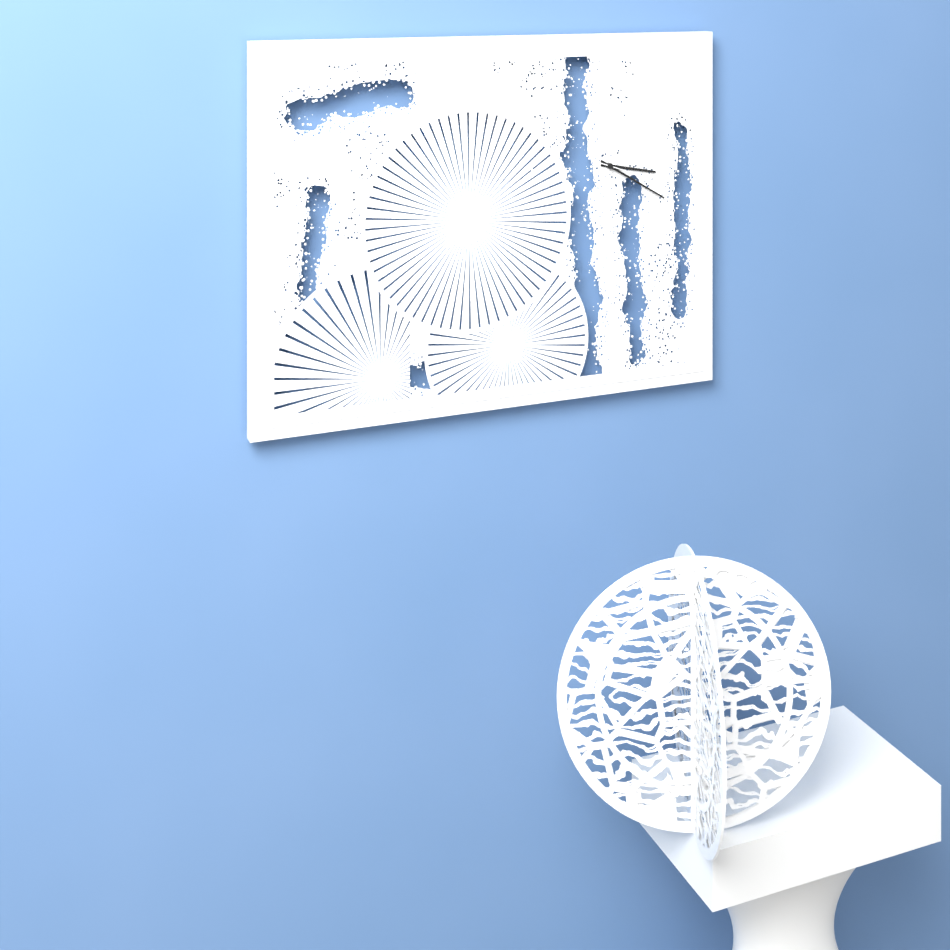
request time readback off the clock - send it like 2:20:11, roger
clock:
3:20:18
